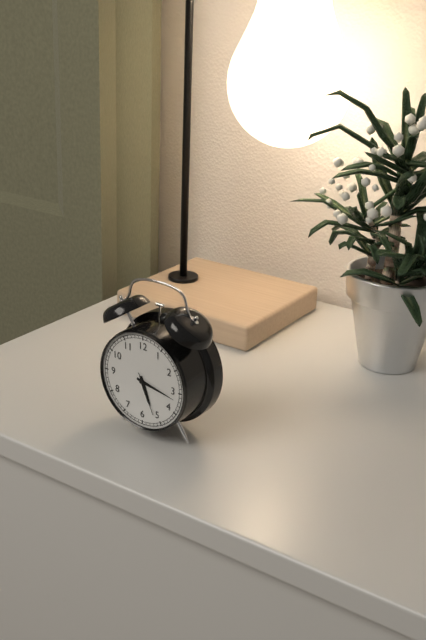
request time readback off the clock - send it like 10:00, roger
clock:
5:17
